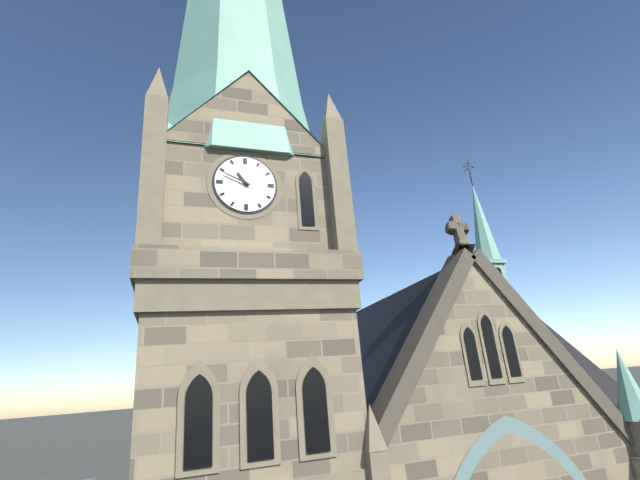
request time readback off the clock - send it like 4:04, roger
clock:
10:49
